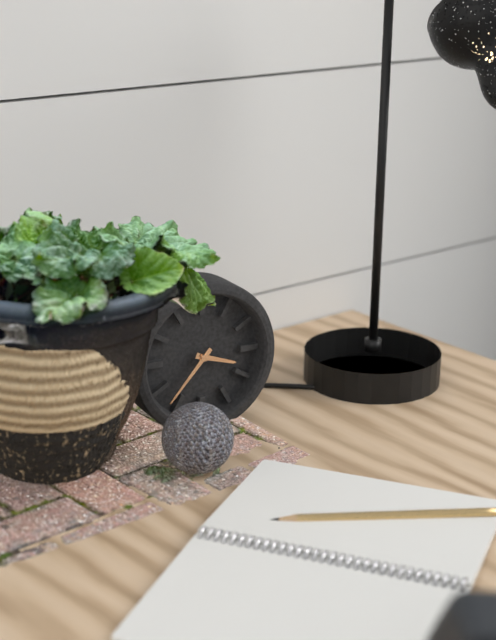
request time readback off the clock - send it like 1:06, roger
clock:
3:37
